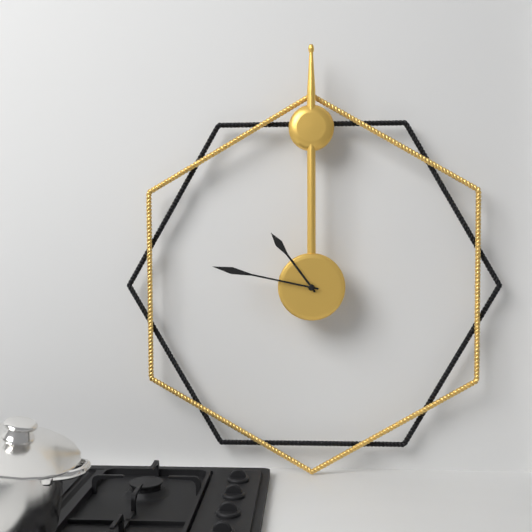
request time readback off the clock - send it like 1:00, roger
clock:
10:47
